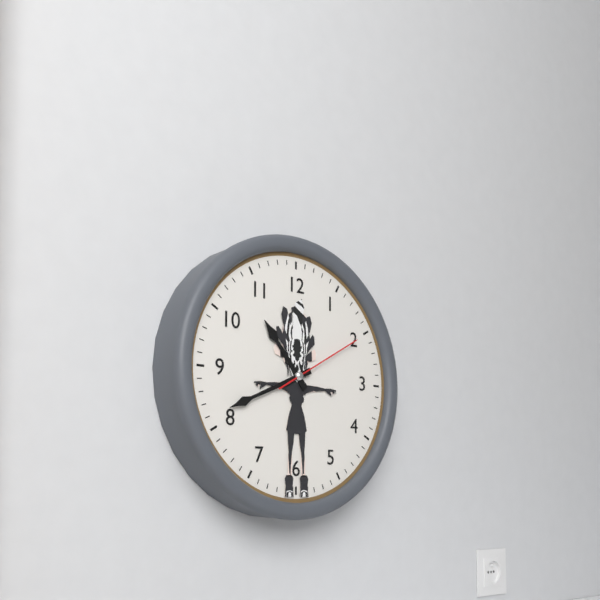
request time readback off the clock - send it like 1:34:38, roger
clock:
10:41:10
